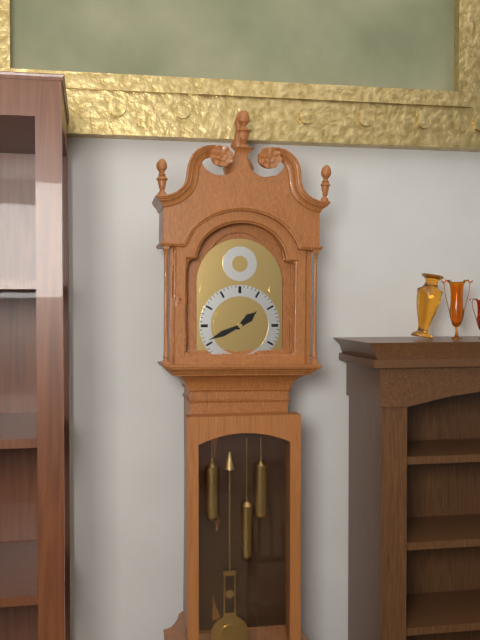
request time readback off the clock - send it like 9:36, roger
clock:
1:41
